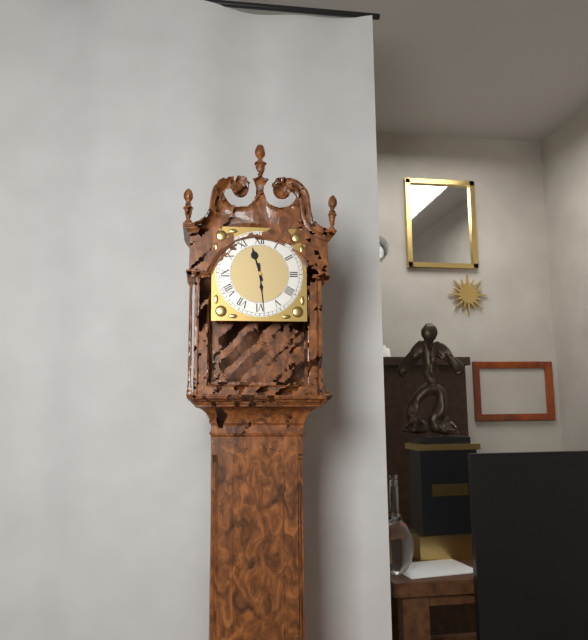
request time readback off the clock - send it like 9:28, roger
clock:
11:29
